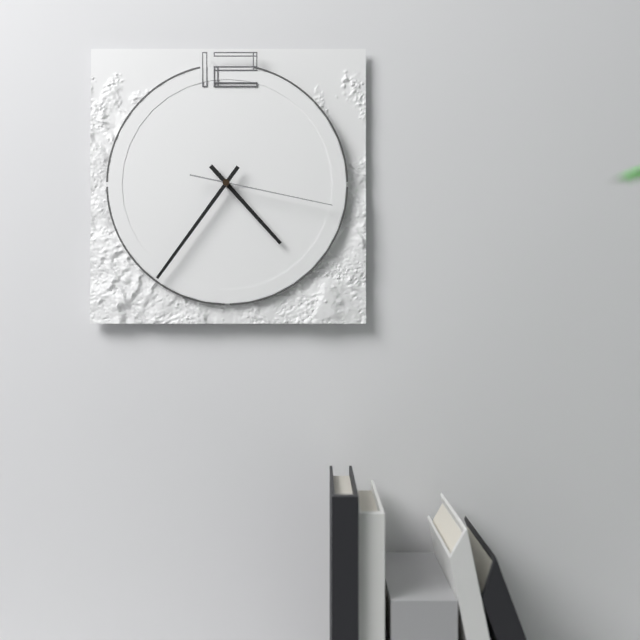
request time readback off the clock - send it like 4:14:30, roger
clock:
4:36:17
